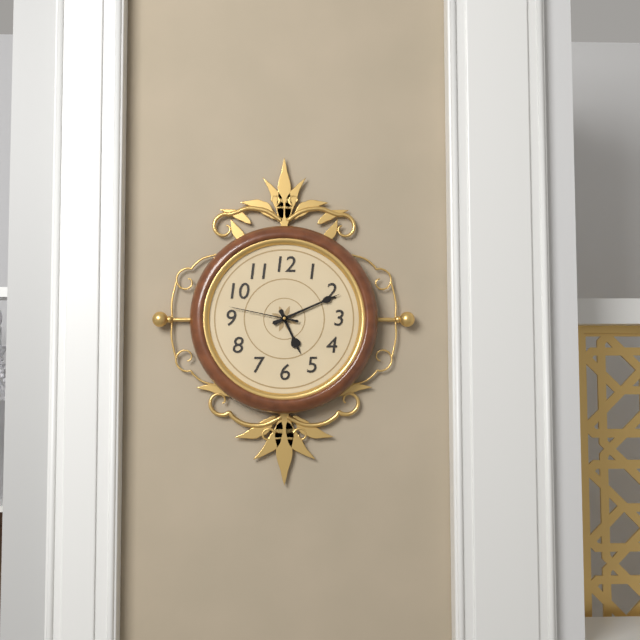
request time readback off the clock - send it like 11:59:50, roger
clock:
5:11:47
